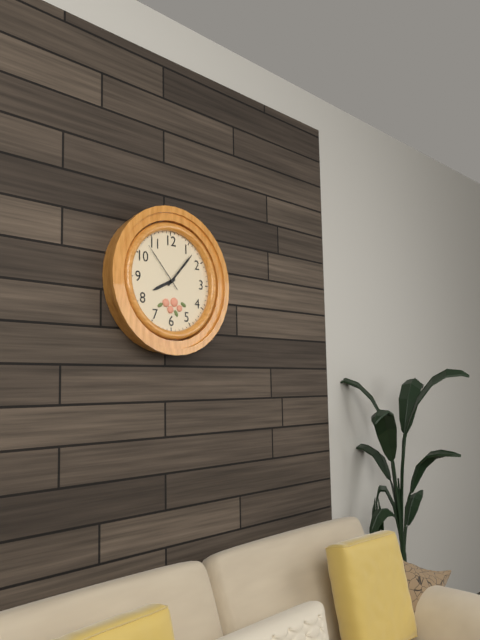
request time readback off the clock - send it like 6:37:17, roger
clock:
8:07:53
